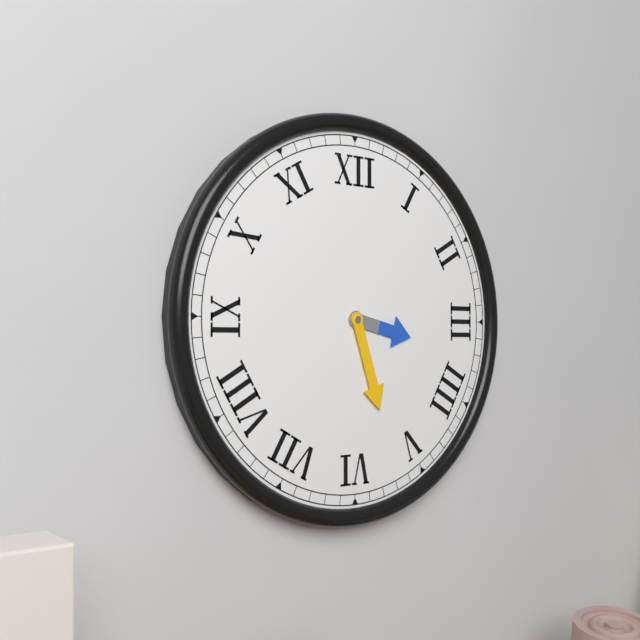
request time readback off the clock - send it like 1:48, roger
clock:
3:27
